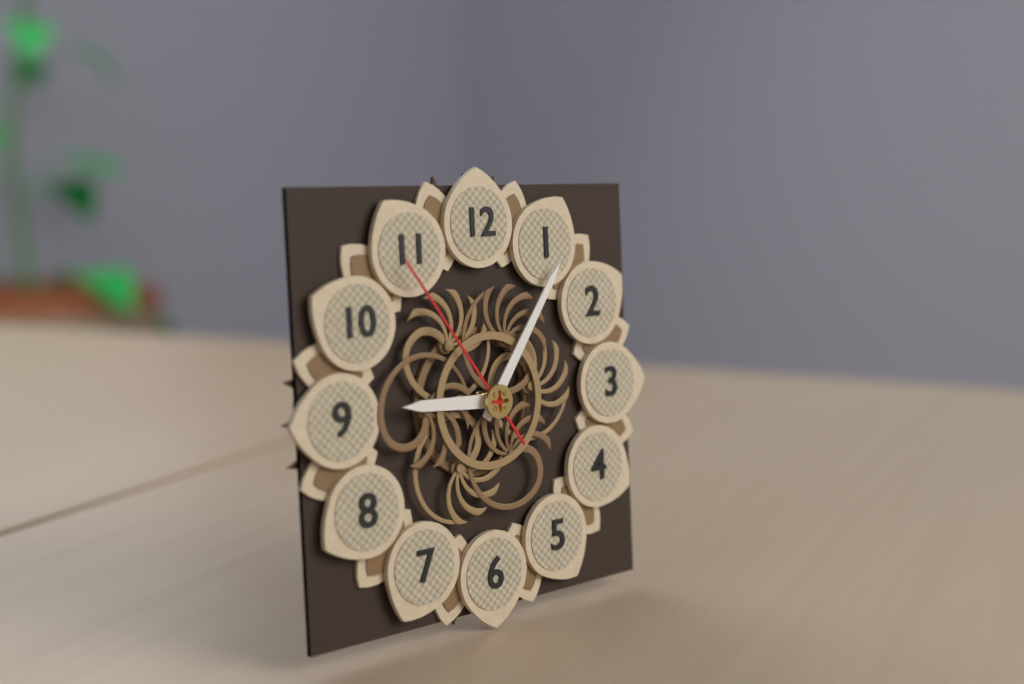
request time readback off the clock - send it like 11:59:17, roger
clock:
9:06:54
